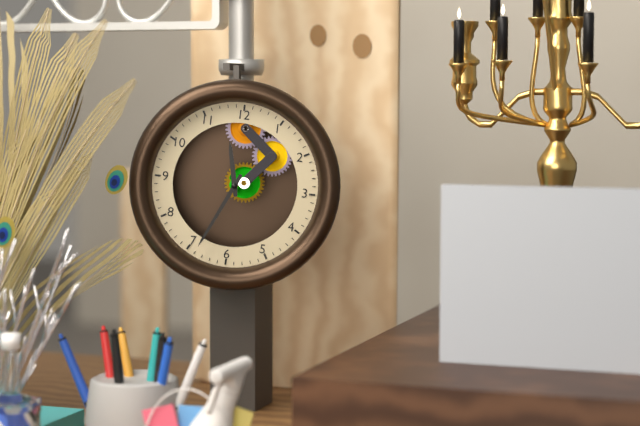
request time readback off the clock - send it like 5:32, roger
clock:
11:34
